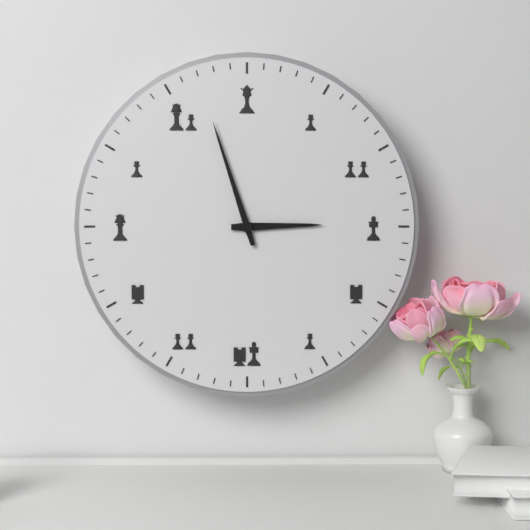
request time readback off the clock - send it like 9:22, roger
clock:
2:57
